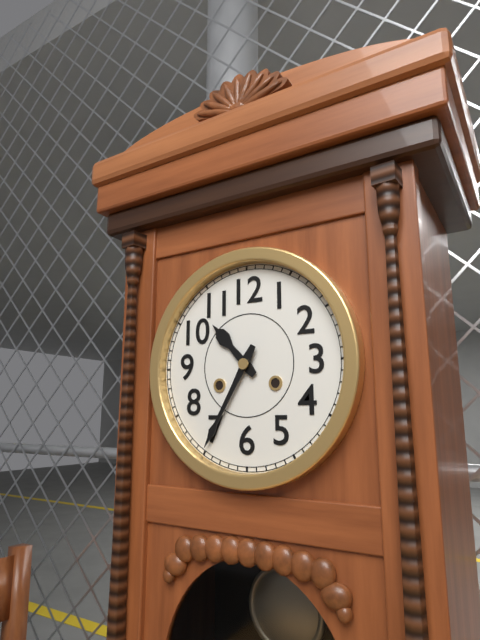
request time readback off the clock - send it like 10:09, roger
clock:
10:35
